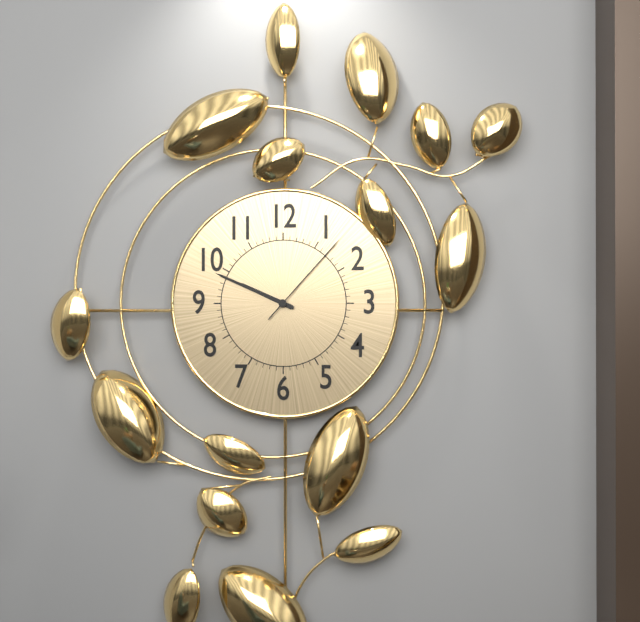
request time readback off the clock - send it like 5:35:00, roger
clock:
9:49:07
